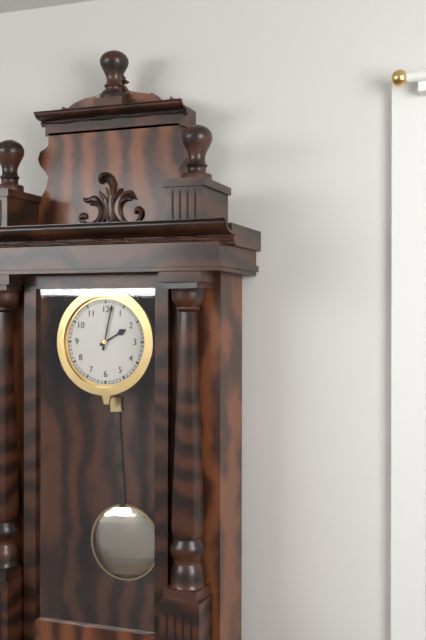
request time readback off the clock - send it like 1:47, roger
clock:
2:02
